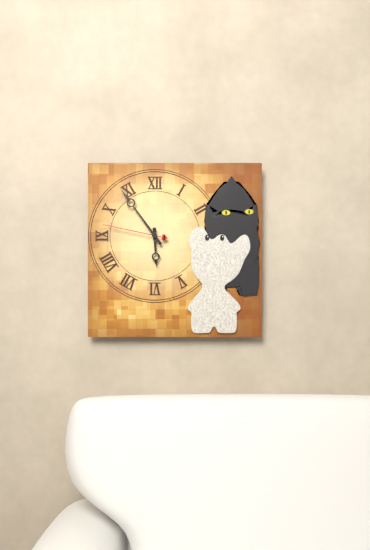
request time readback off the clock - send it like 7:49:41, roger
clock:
5:54:47
